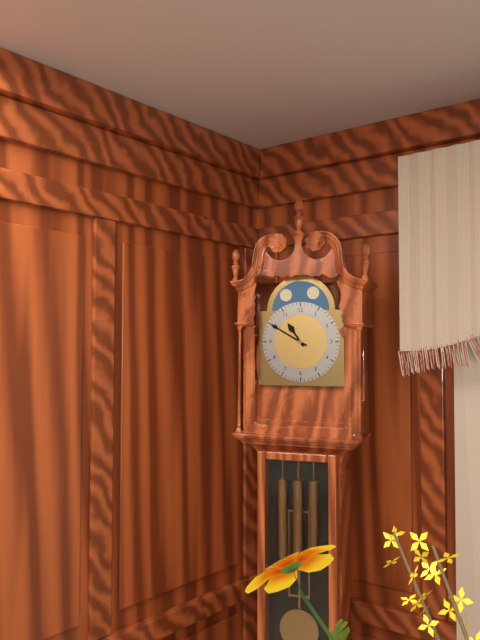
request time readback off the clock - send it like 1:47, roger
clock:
10:50
